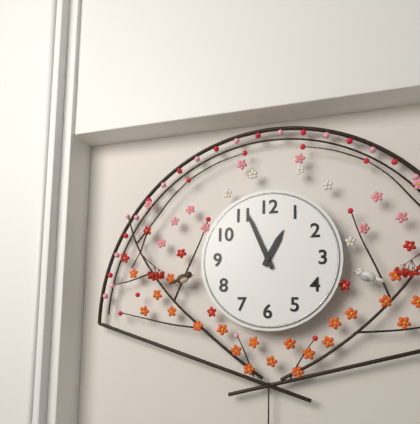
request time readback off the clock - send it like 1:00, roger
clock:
12:56
